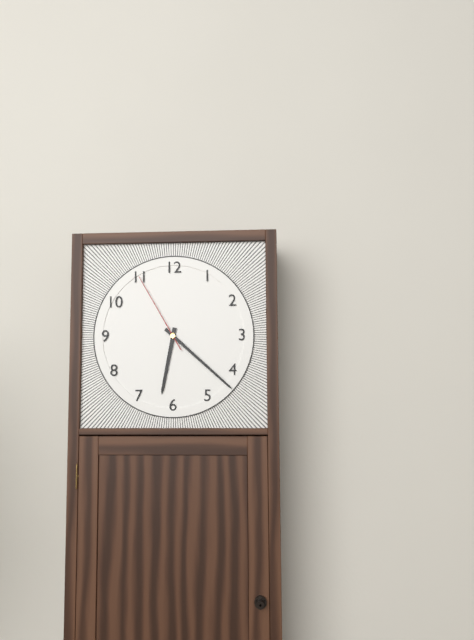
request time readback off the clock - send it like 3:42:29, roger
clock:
6:22:55
